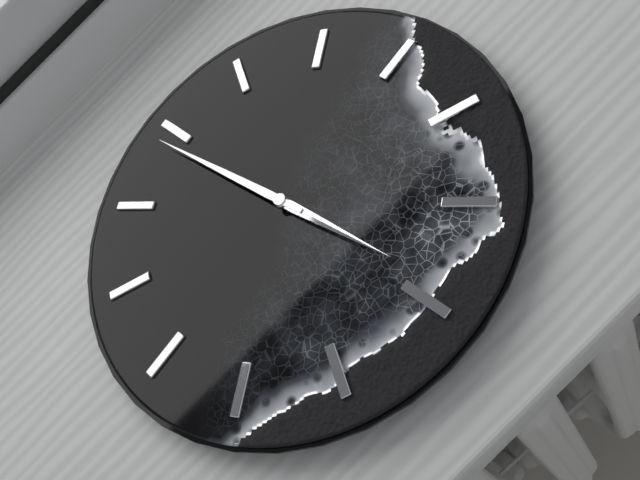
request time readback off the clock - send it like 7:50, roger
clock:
3:49
